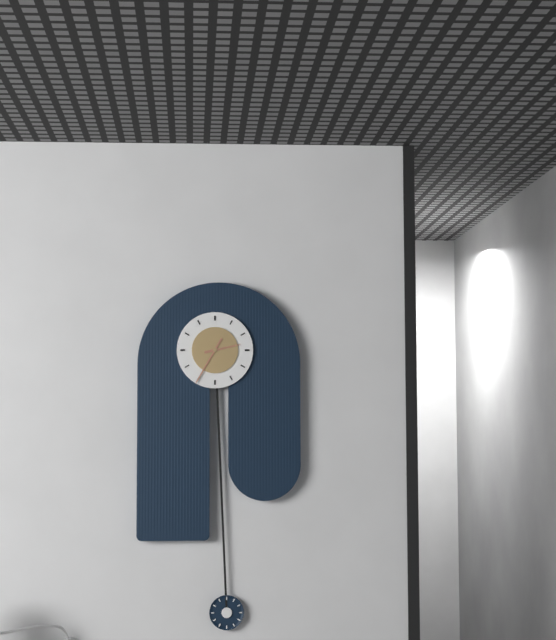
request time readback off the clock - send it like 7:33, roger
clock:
2:35
